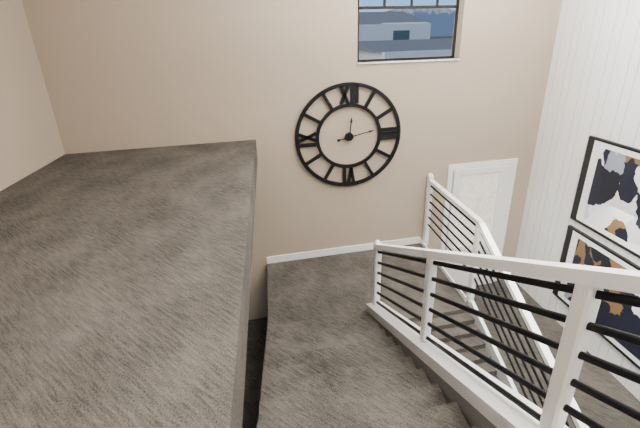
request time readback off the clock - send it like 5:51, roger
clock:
12:13
